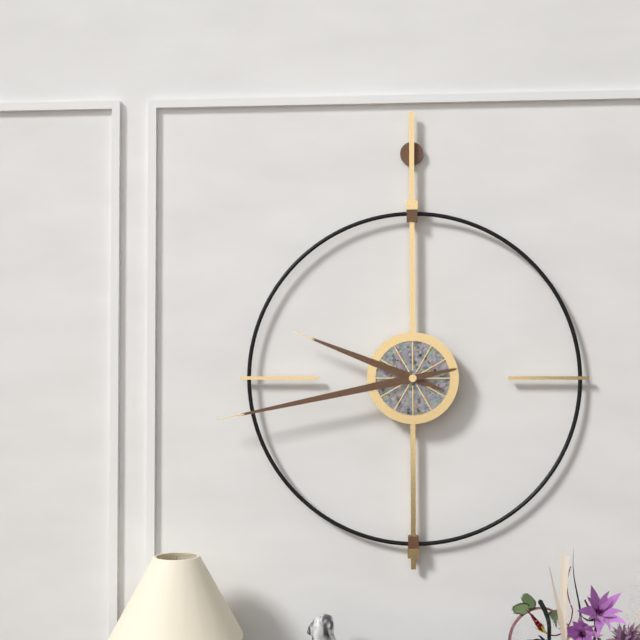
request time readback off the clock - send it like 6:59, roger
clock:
9:43
